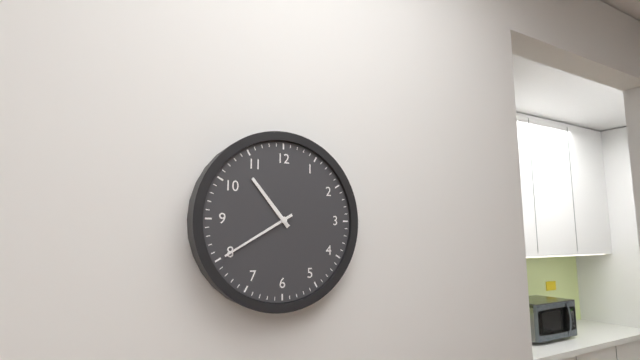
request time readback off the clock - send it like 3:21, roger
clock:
10:40
